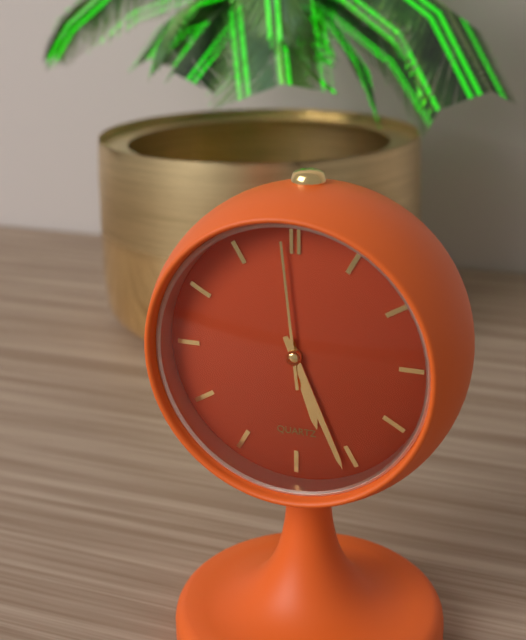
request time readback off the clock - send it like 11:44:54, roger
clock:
5:26:59
